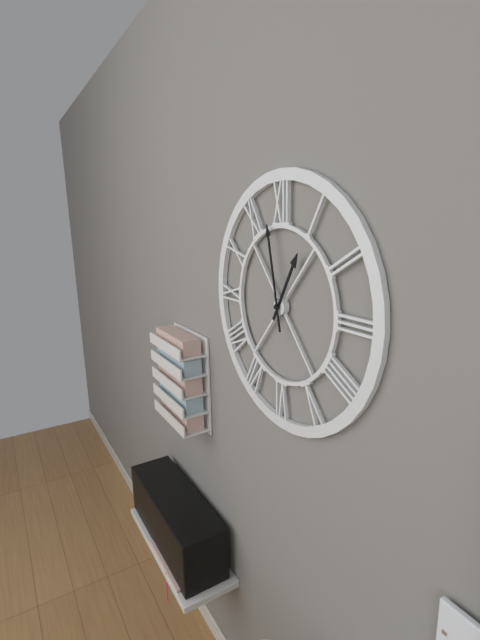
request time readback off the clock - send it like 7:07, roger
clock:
12:58
